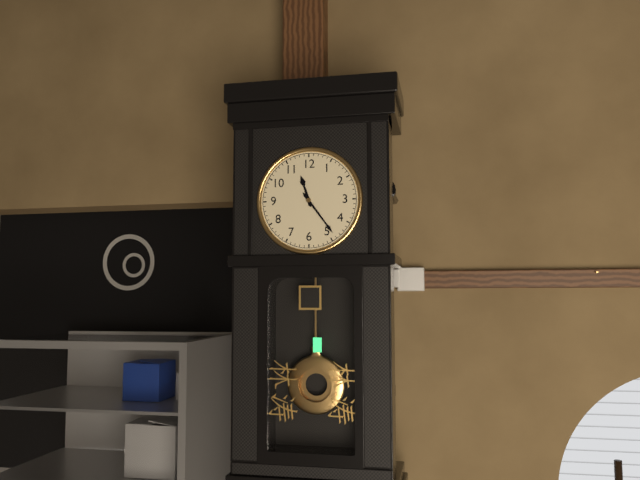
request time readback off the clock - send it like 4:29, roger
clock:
11:24
